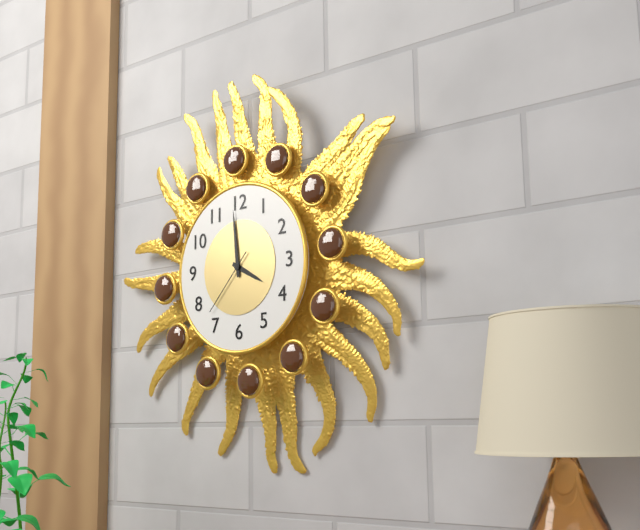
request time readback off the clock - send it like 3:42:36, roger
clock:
3:59:37
